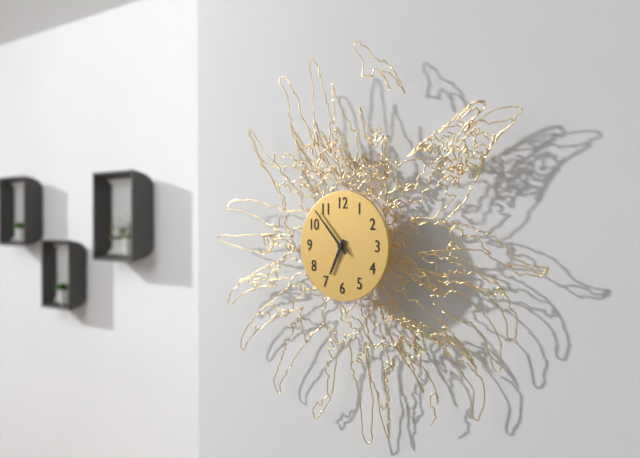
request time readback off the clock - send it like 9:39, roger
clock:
6:53
